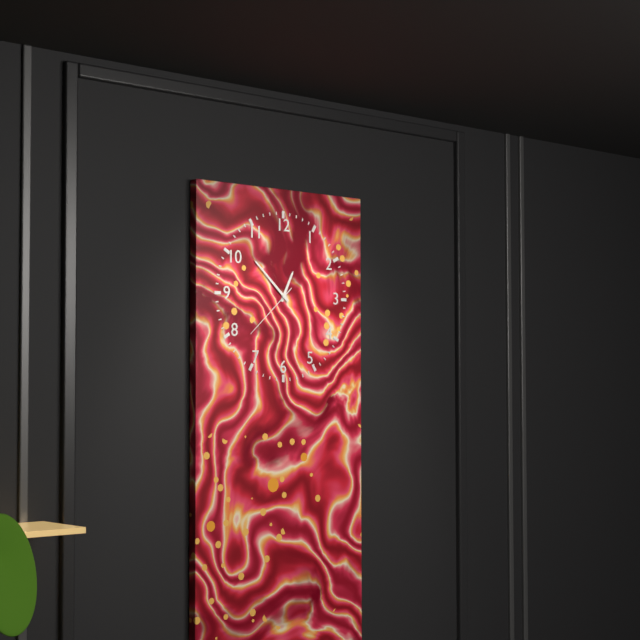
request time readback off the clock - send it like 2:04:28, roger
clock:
12:52:38
